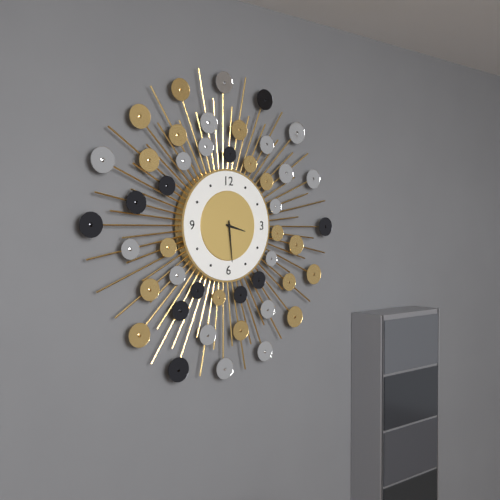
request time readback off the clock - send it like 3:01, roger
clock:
3:29
